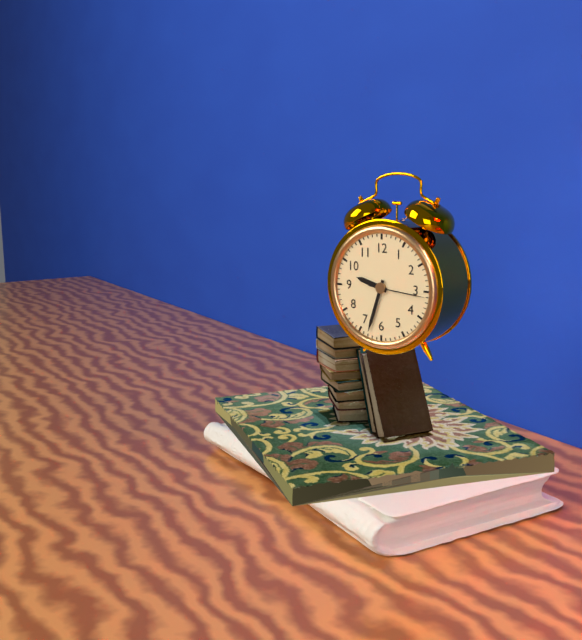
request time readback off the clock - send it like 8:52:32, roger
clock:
9:33:16
